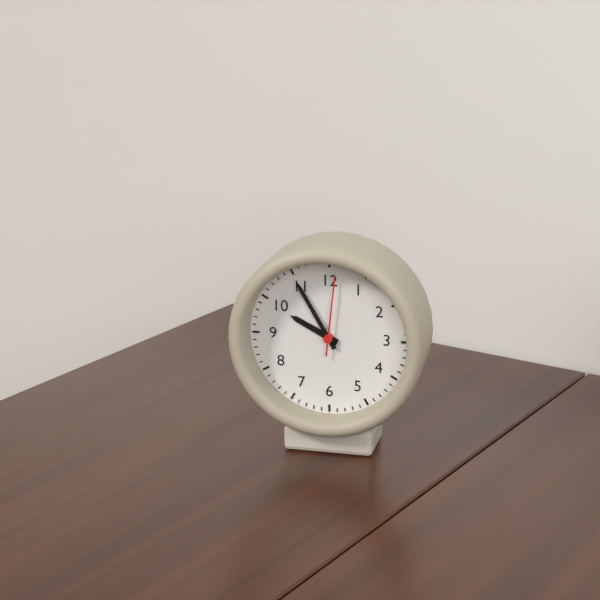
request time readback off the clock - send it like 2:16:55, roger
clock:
9:55:01
